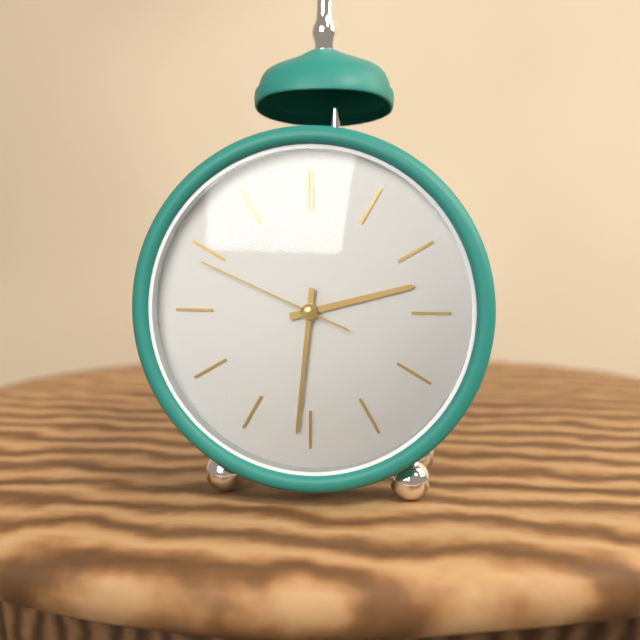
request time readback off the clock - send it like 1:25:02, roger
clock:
2:31:49
